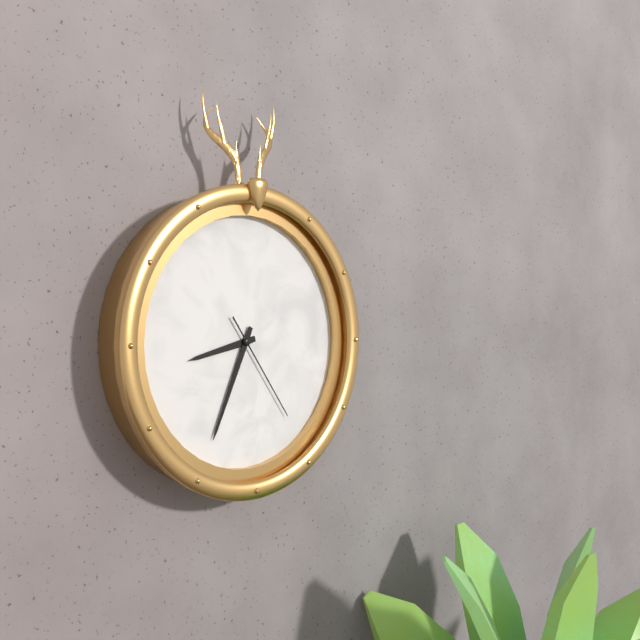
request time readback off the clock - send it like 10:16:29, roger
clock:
8:34:24
